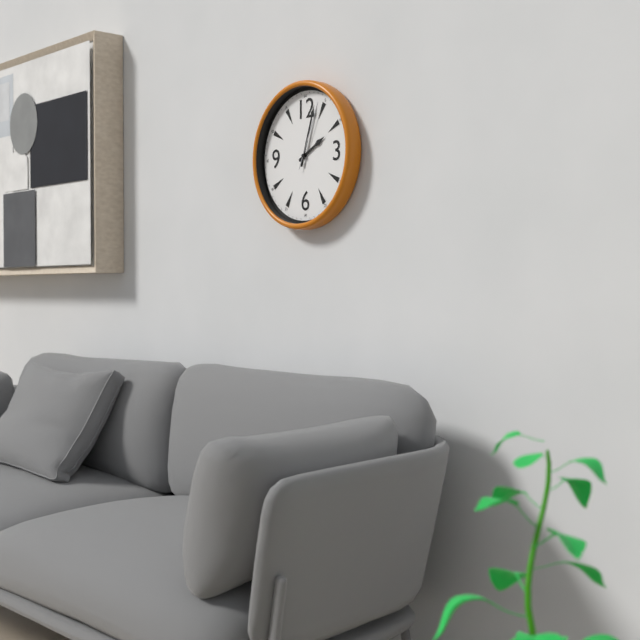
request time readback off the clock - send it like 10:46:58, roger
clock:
2:03:04
